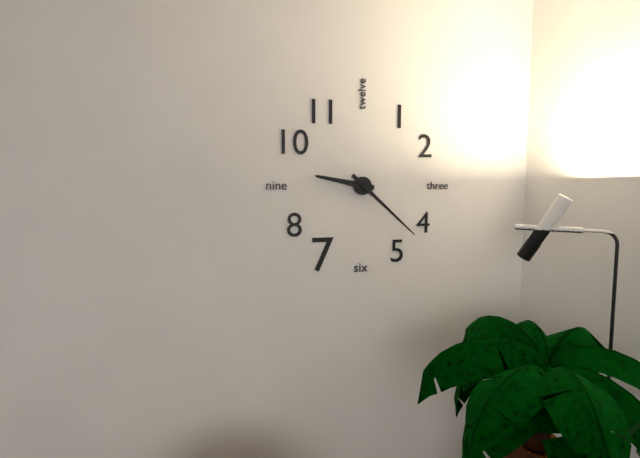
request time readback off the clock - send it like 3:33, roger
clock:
9:22
